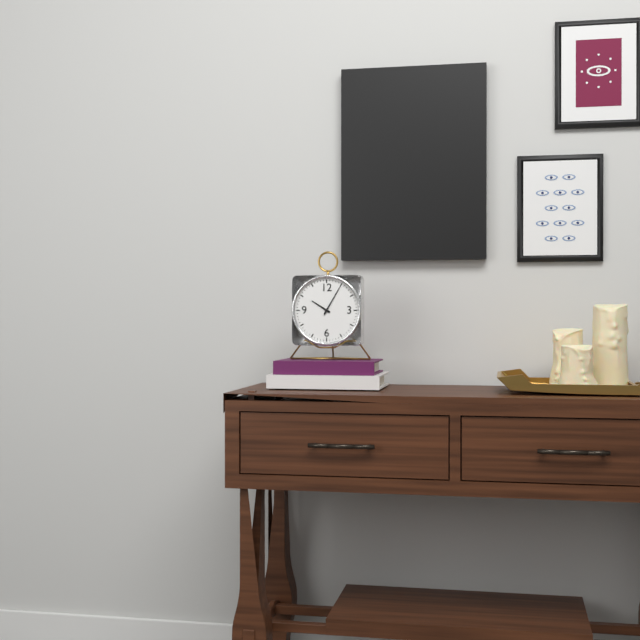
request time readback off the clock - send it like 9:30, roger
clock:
10:05
